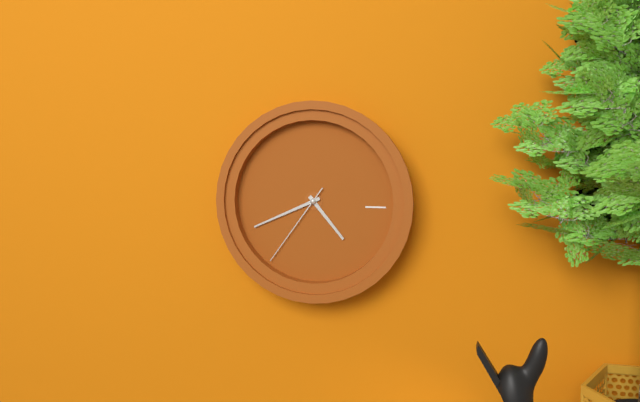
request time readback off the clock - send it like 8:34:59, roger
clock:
4:41:36
